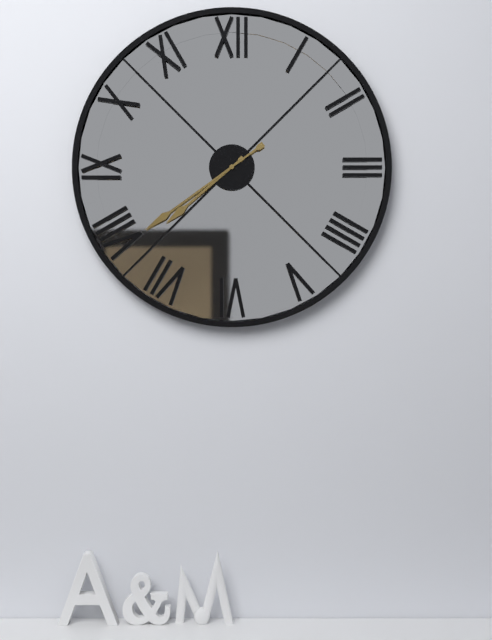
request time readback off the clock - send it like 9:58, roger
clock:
7:39
